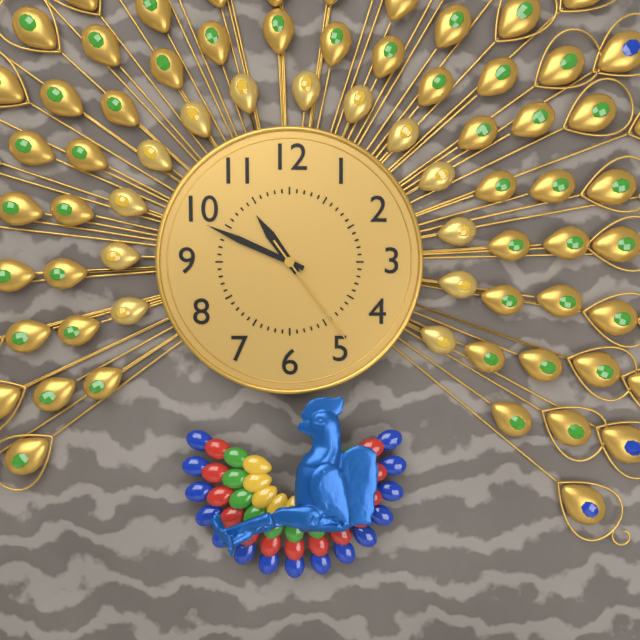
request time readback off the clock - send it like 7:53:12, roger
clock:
10:49:24
